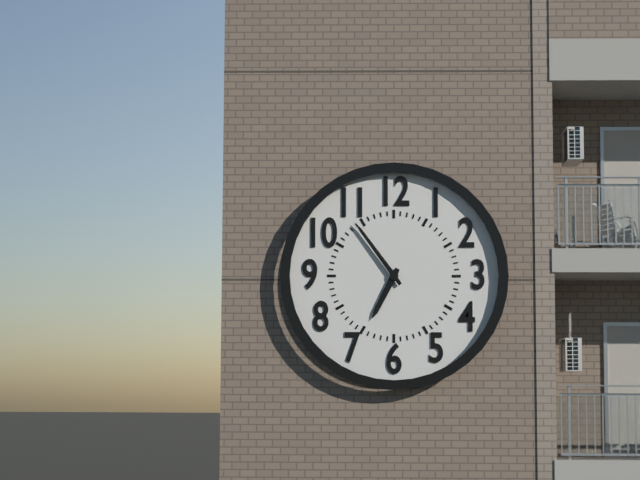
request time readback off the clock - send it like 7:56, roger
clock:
6:54
